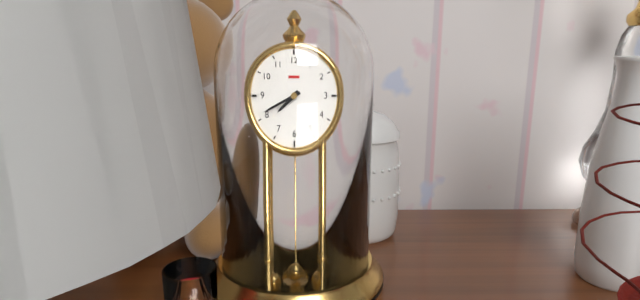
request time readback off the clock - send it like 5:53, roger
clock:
7:41
